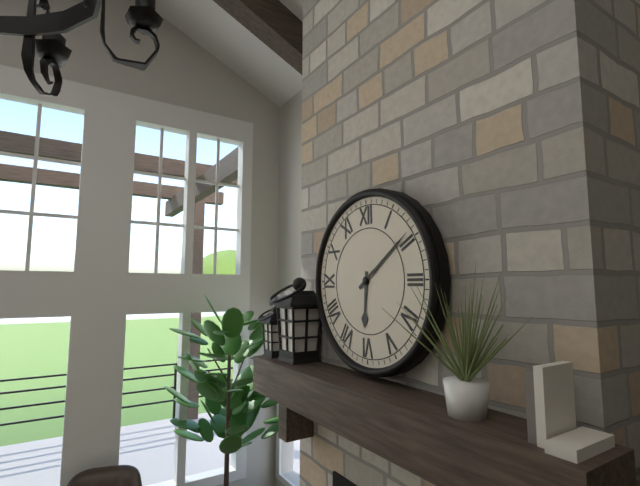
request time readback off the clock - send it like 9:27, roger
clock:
6:09
